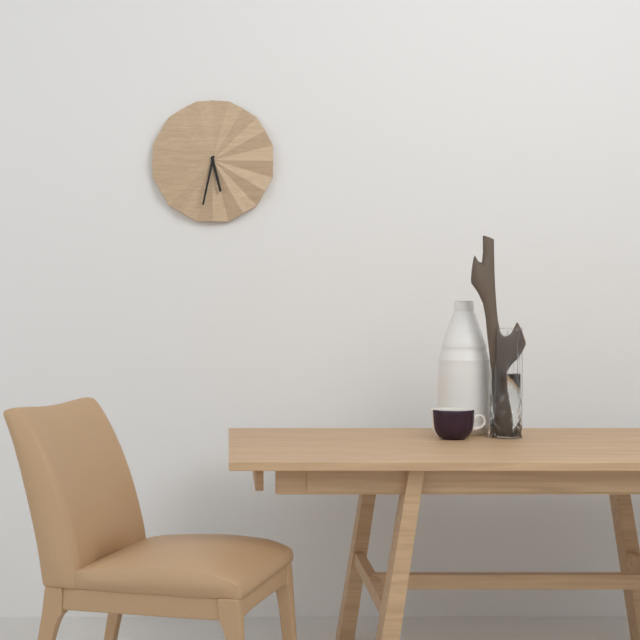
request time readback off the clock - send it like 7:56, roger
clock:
5:32
